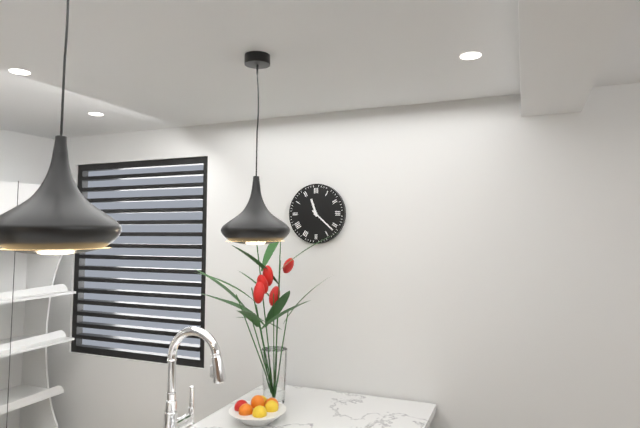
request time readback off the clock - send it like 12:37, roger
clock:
11:22
